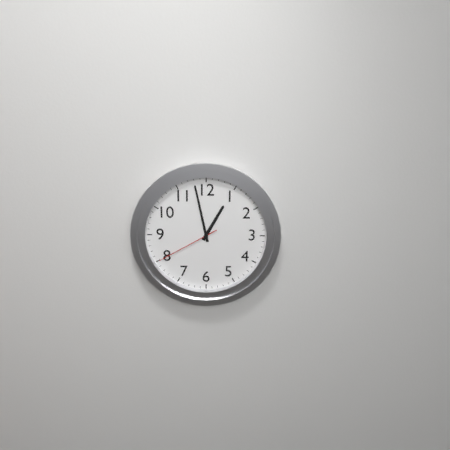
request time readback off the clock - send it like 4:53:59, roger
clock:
12:58:40
